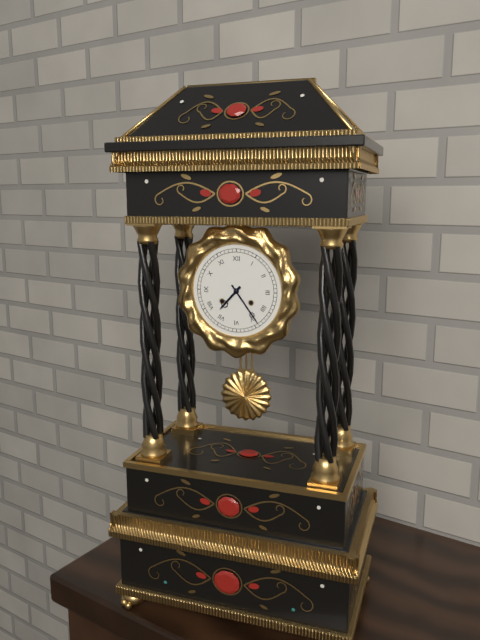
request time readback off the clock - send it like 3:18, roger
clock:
7:24
